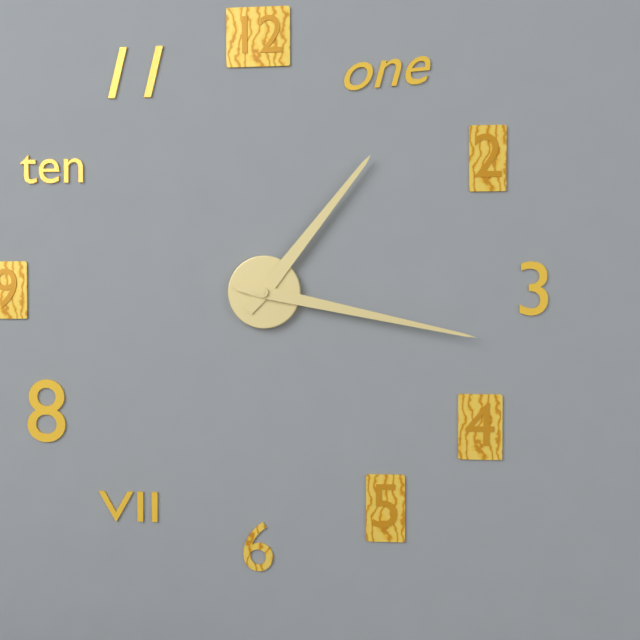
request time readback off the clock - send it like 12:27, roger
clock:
1:17
